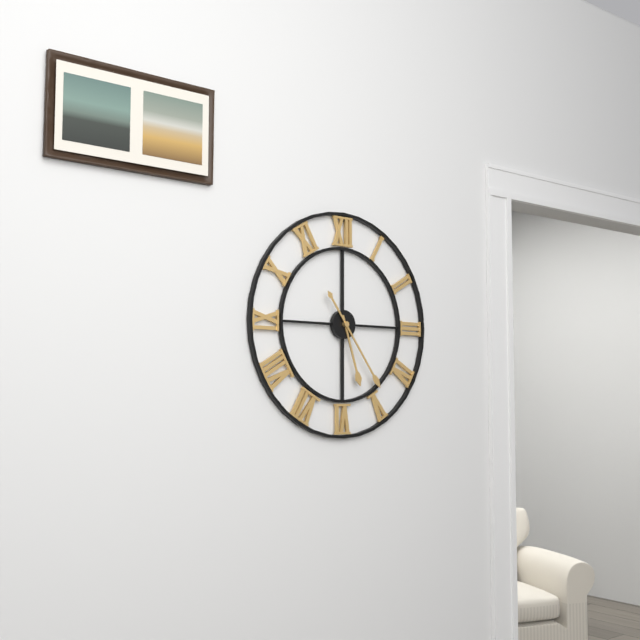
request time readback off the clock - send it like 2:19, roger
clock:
5:24
